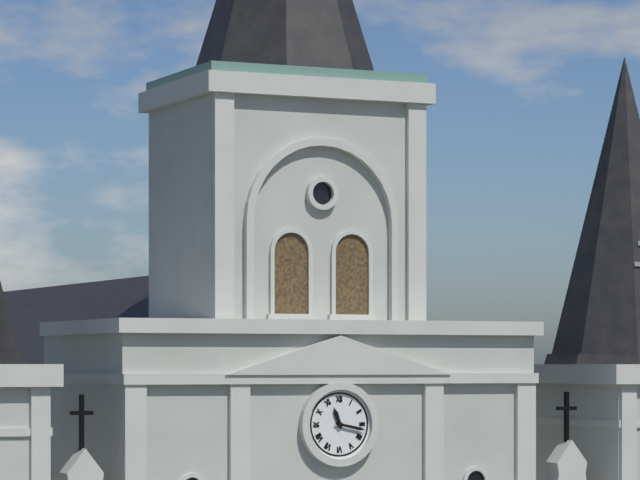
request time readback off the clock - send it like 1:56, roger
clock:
11:17
